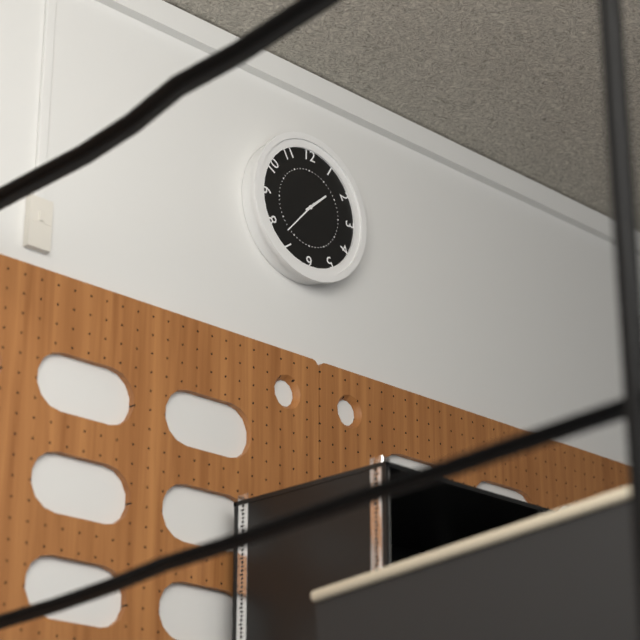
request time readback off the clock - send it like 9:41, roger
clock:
1:37
